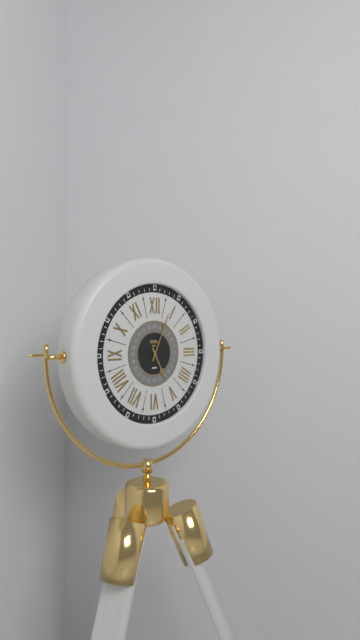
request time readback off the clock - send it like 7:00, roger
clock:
5:04
